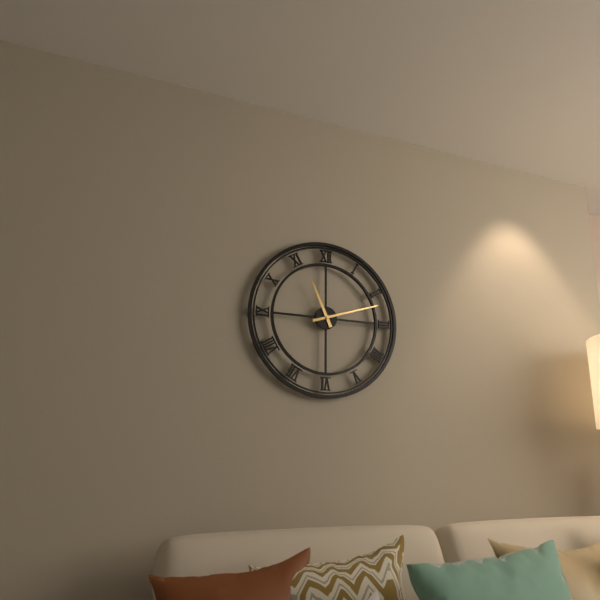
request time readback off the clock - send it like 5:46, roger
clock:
11:12
